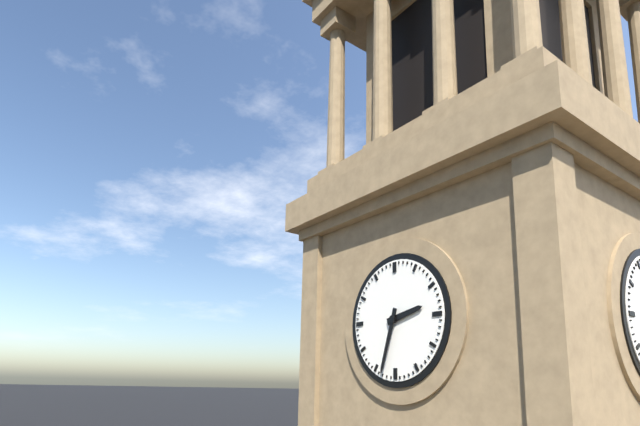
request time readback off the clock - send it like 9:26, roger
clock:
2:33
